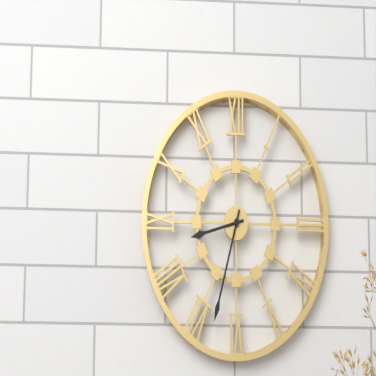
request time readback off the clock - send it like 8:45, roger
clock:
8:33
